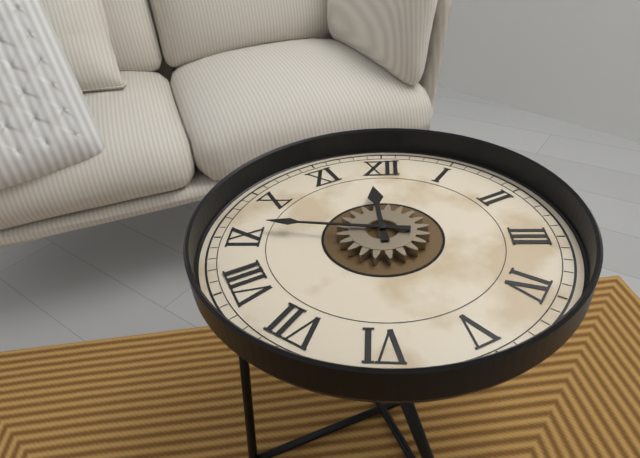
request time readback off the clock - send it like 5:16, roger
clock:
11:46
